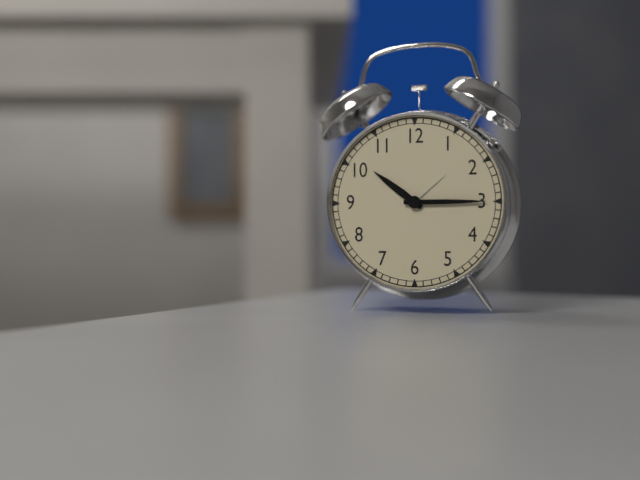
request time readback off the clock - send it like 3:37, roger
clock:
10:15
